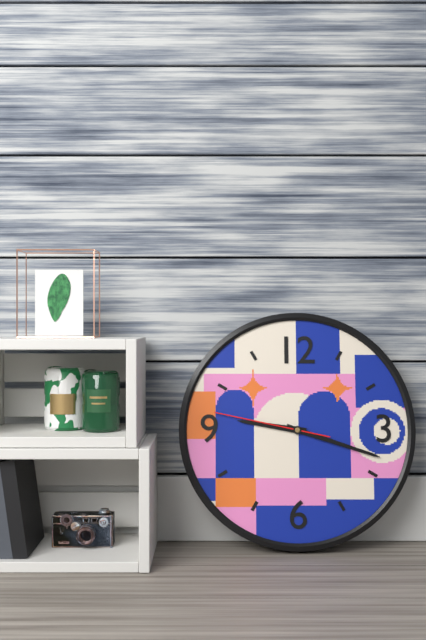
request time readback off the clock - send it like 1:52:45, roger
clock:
9:18:47
